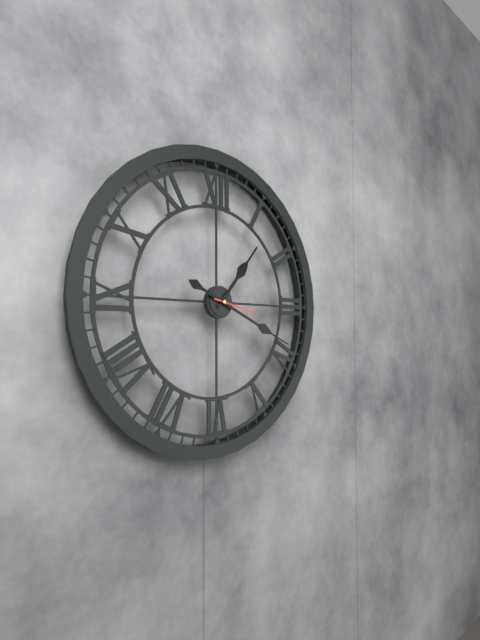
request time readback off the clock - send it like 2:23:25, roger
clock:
1:19:17
